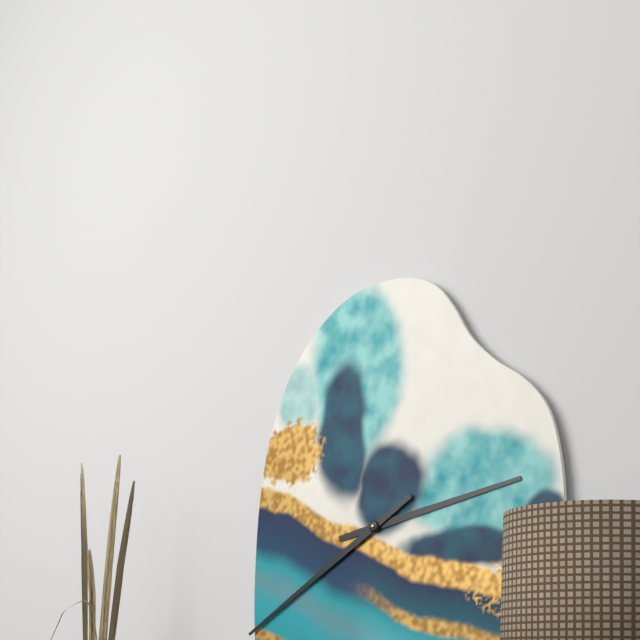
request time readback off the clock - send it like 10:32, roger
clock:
2:40
